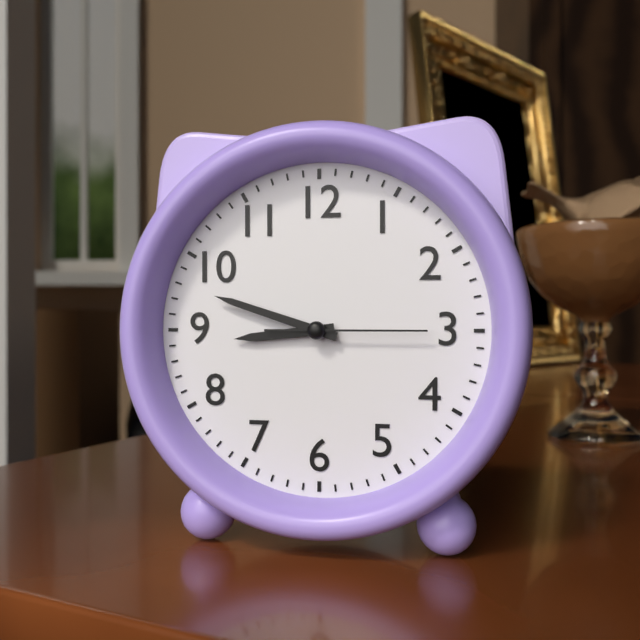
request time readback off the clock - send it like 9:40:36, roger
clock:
8:48:15
